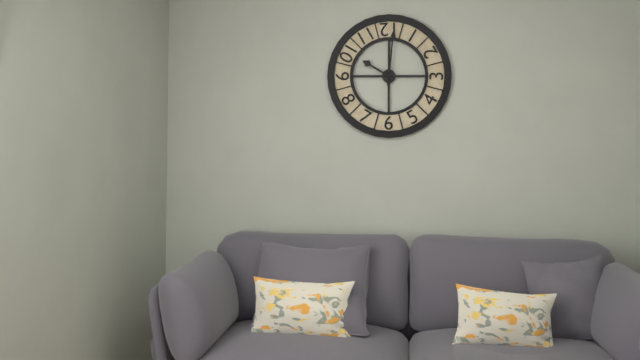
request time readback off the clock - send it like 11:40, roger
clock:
10:01
